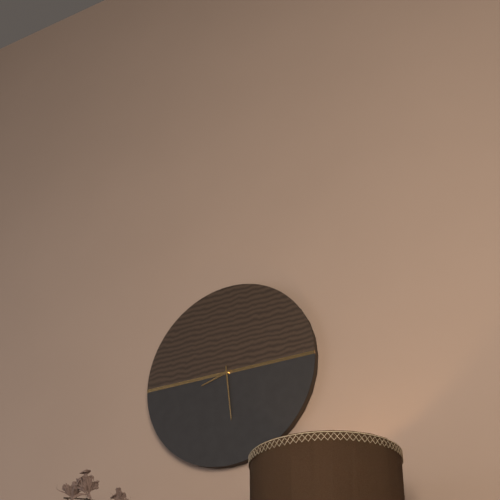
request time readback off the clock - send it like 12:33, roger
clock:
8:29
